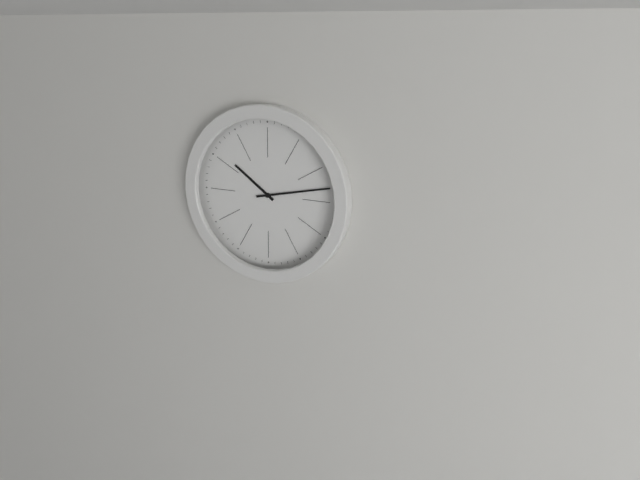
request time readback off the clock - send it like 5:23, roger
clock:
10:13
